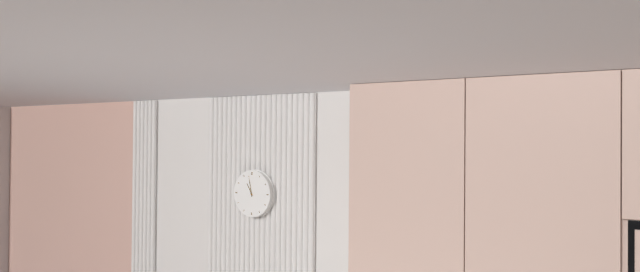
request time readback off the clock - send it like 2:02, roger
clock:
10:58
